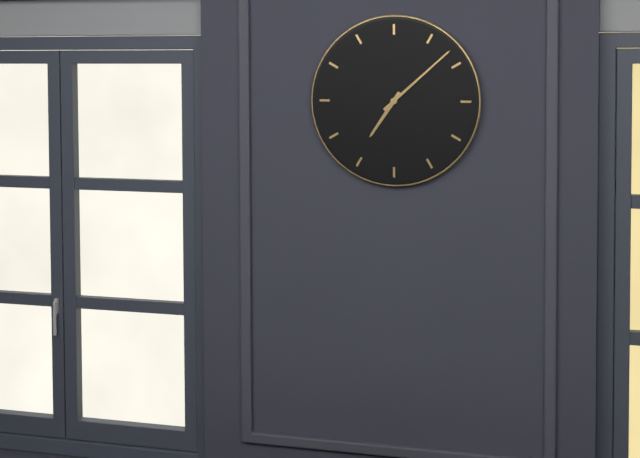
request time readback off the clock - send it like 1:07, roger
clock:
7:08
